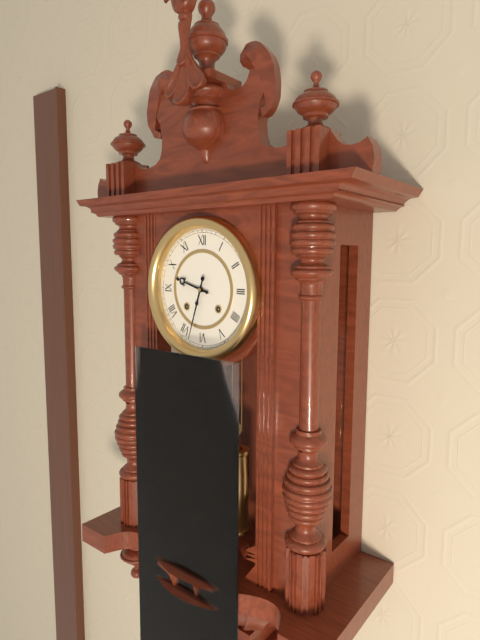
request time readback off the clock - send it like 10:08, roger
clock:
9:33
